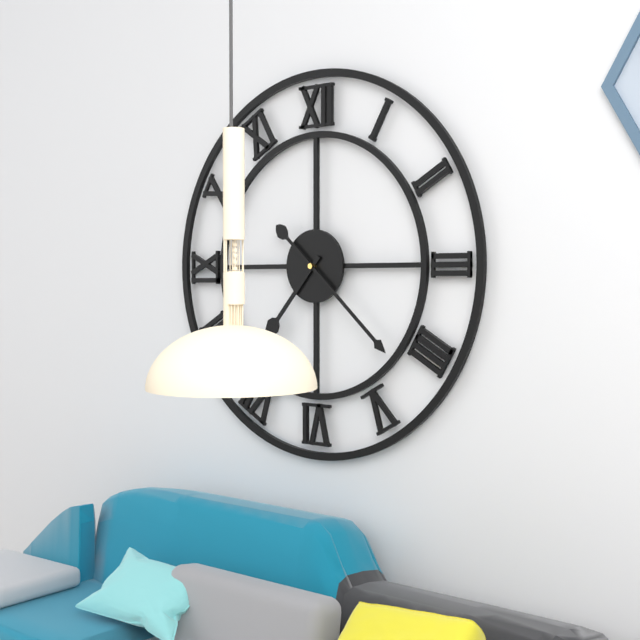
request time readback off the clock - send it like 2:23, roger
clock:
7:22
